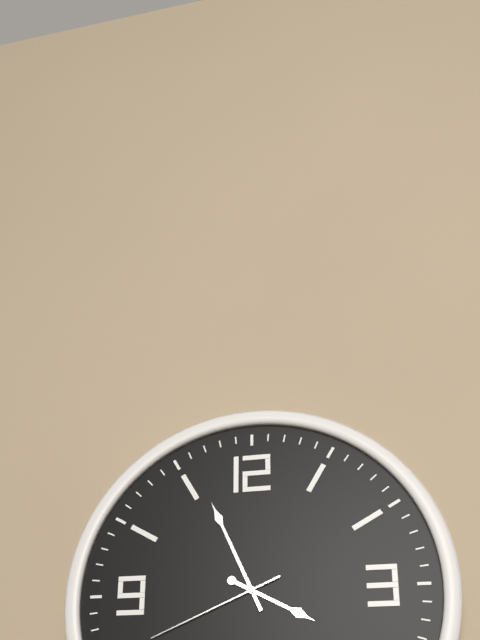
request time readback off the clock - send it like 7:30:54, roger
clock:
3:56:41
